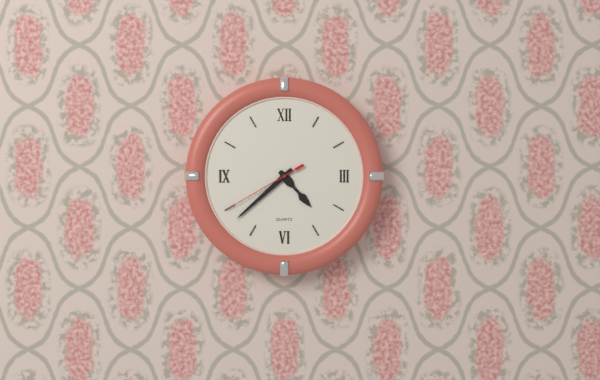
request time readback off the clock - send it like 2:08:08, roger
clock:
4:38:40
